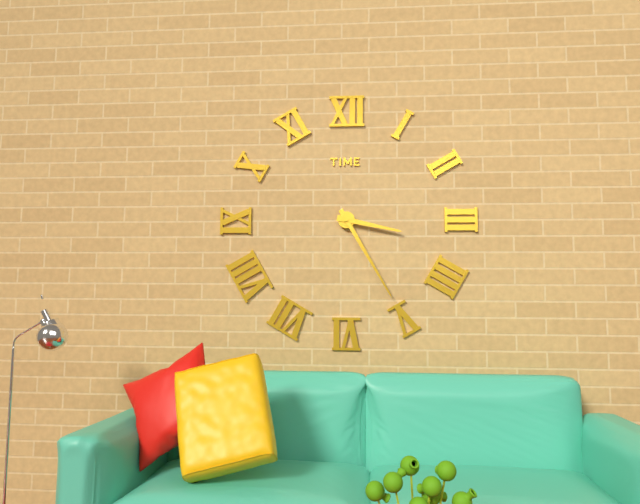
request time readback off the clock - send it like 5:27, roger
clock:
3:25
